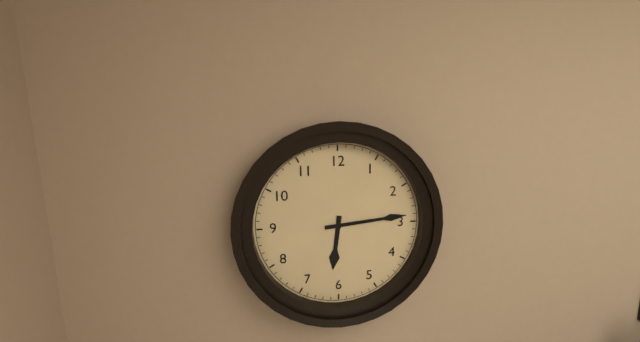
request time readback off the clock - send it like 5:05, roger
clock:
6:14
